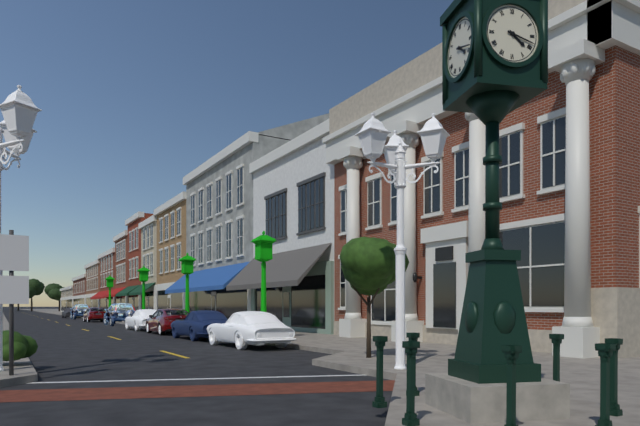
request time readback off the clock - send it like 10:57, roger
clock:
4:18
